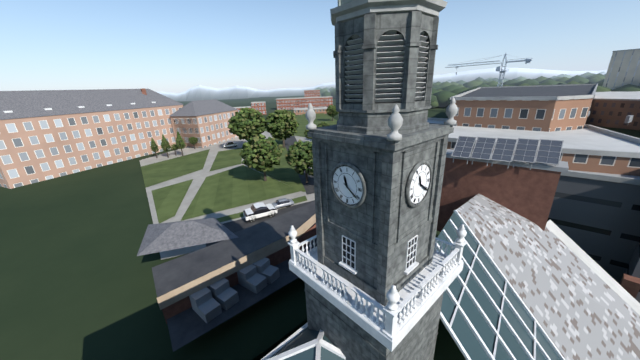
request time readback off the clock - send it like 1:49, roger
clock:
11:21
